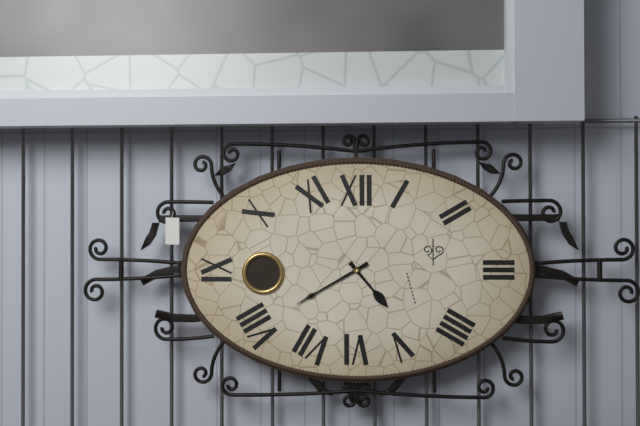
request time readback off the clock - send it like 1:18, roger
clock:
4:40
